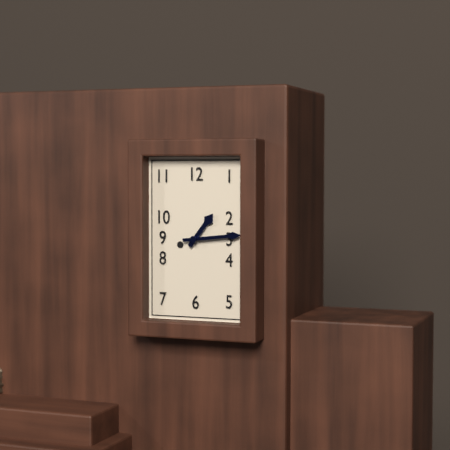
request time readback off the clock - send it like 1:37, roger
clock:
1:14
